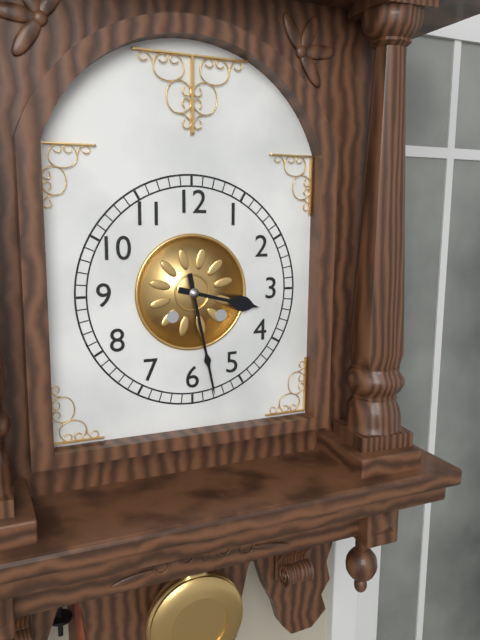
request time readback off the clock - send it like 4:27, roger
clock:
3:28
